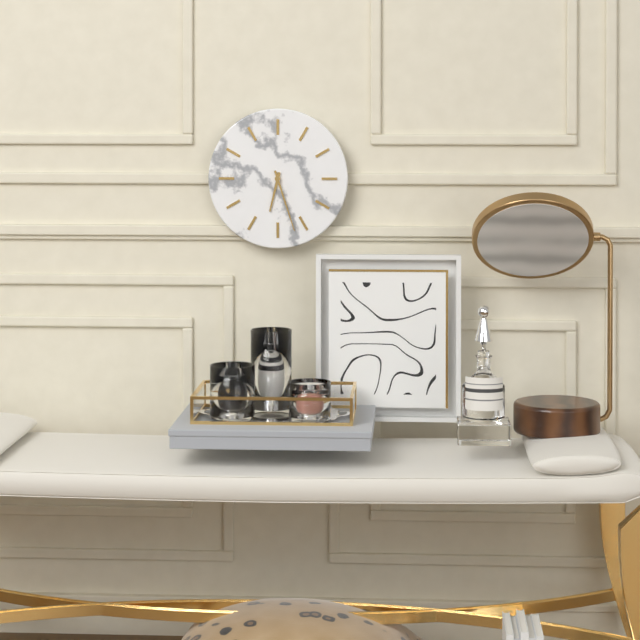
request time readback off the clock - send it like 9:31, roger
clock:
6:27
